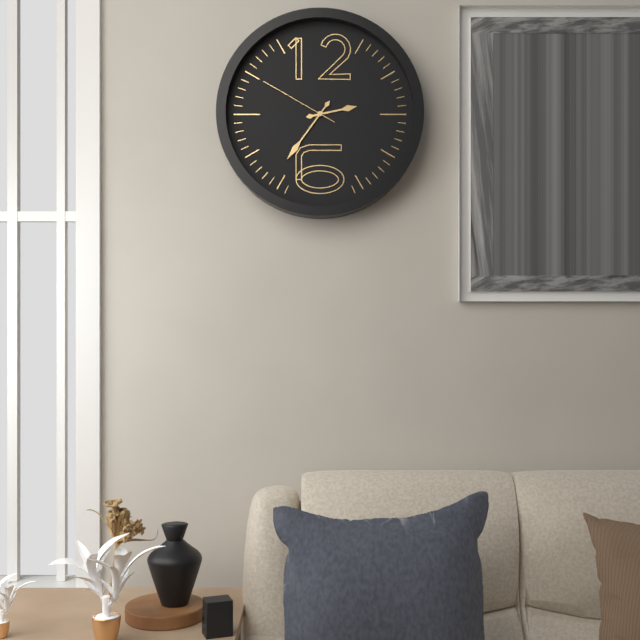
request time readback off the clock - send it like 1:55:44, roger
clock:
2:36:50
